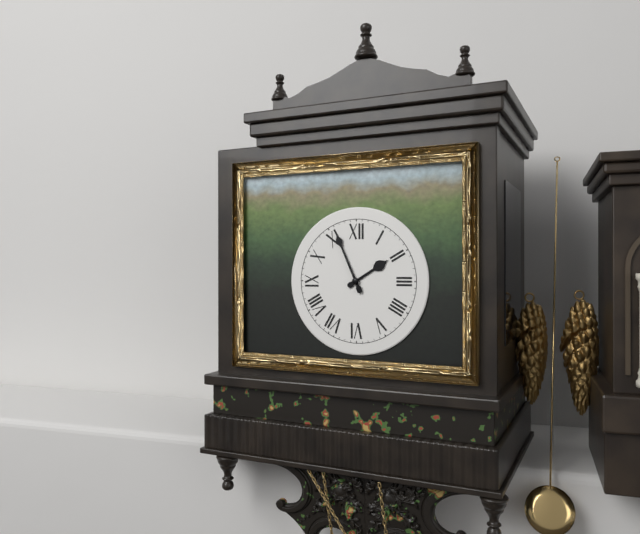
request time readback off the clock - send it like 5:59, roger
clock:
1:56
